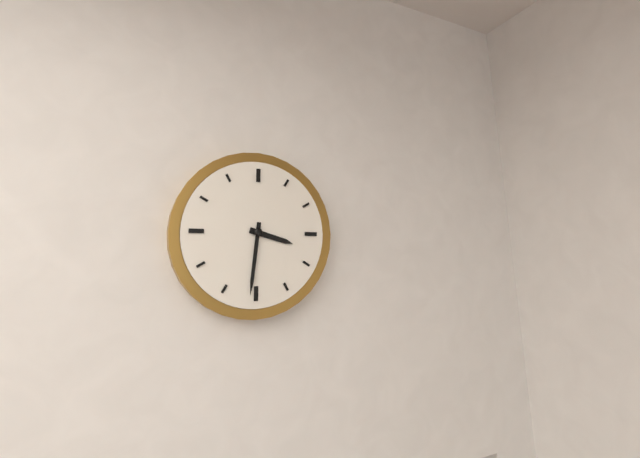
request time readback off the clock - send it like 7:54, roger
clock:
3:31
